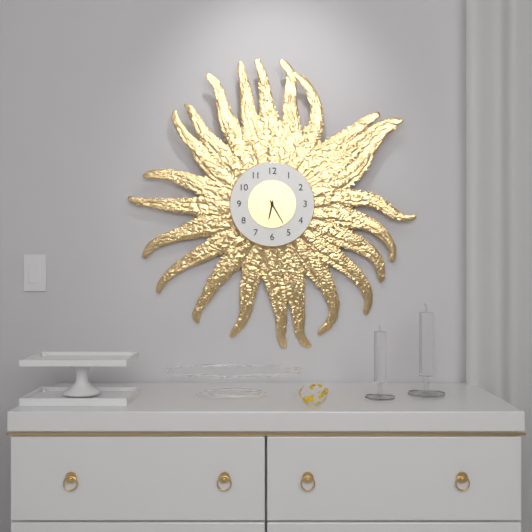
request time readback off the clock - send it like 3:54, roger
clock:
6:25
